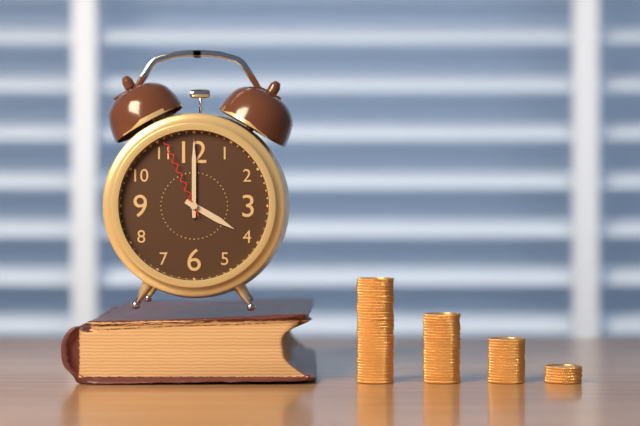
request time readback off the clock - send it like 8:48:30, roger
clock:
4:00:56
